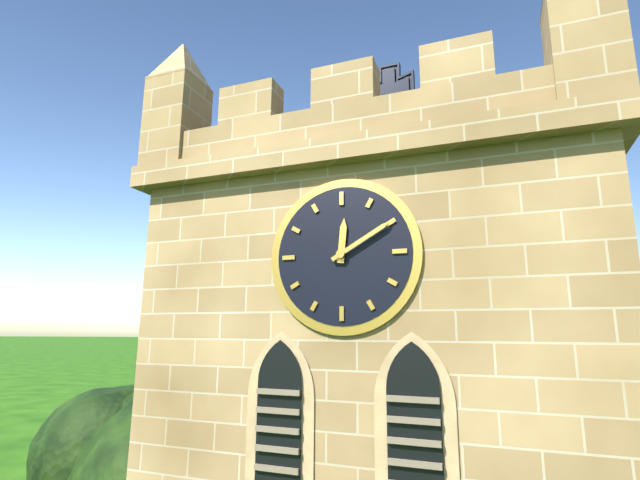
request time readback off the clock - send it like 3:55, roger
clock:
12:10
